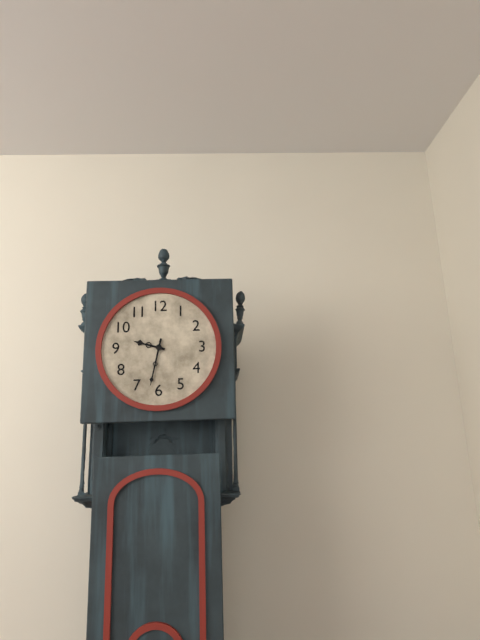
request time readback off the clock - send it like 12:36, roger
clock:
9:32
